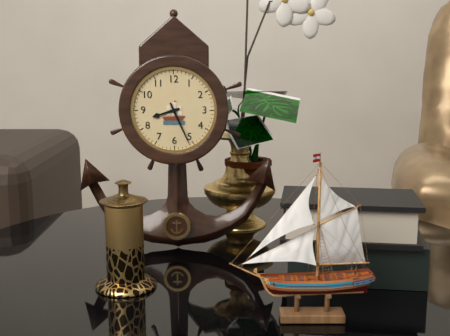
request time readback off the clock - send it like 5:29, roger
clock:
8:26
